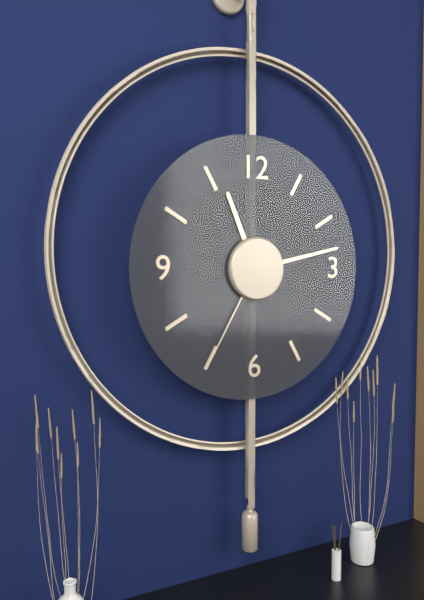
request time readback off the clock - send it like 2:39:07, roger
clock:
11:13:35
